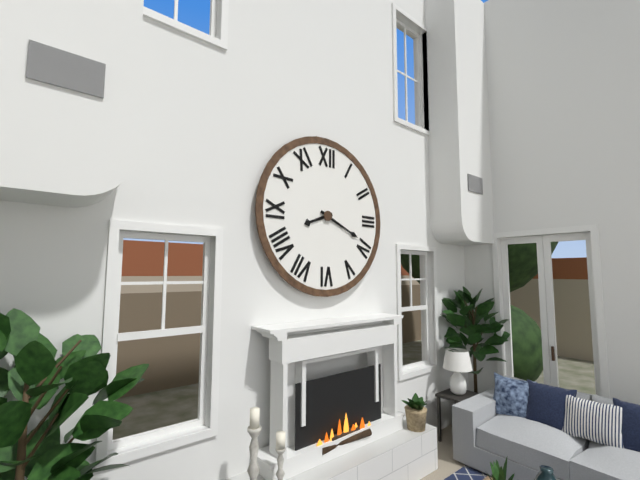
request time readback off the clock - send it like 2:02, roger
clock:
8:19
